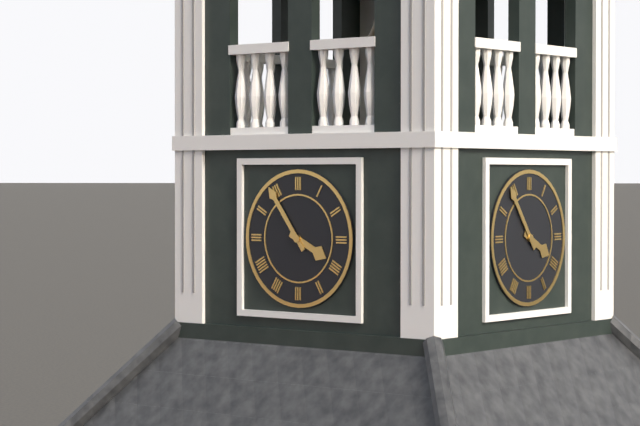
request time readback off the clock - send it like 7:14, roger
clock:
3:54
